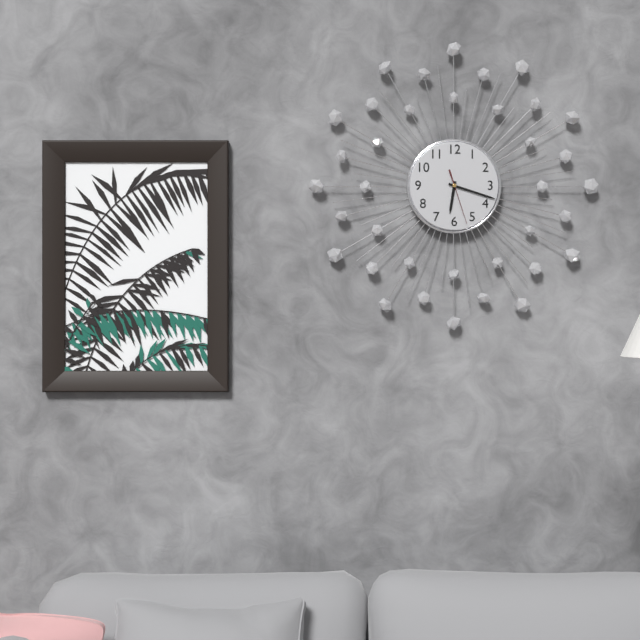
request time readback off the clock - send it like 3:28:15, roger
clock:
6:18:27
